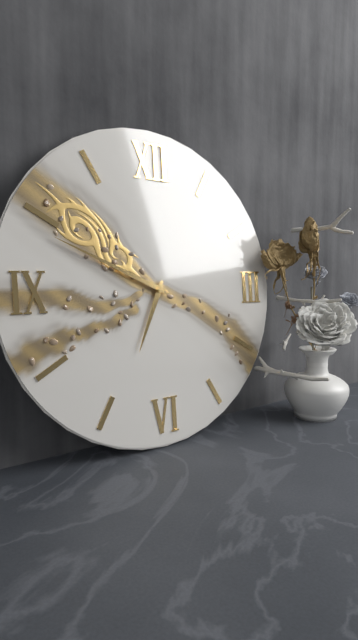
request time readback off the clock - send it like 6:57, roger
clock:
6:49
